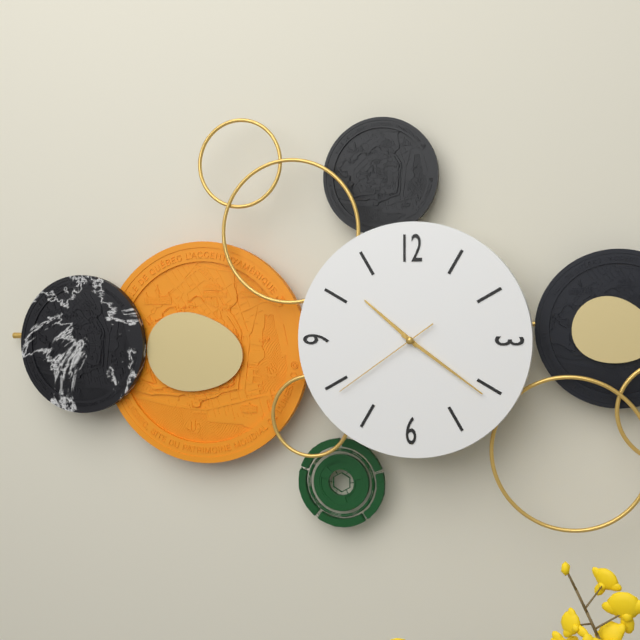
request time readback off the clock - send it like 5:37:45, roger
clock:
10:21:39
